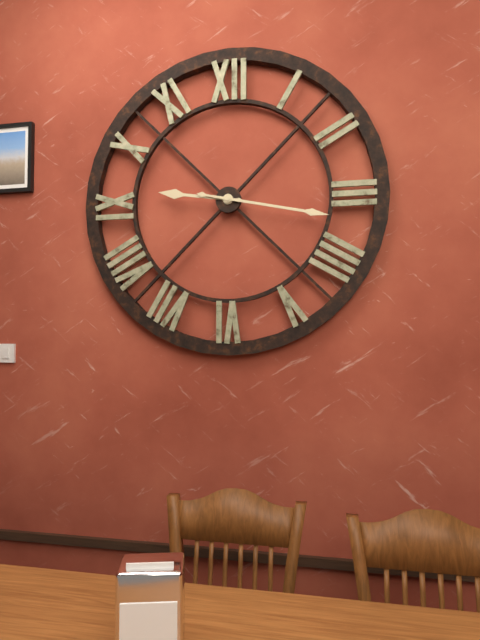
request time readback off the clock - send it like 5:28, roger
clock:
9:17
